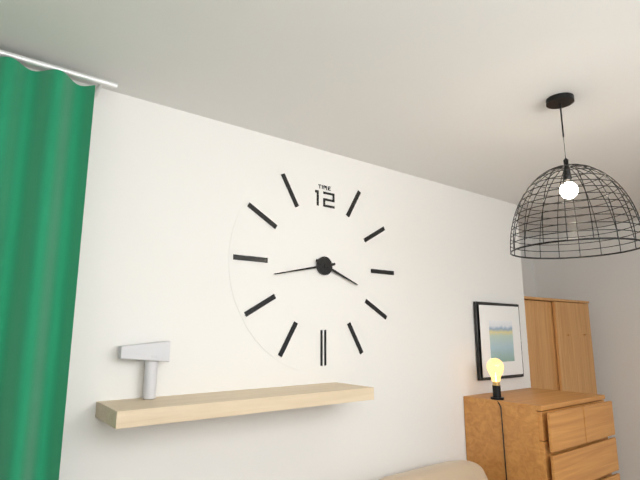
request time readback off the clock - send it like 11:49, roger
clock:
3:43
